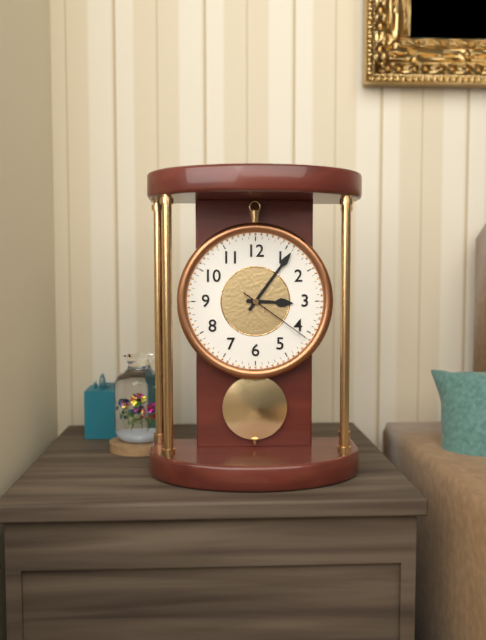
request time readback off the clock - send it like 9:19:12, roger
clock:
3:06:21
